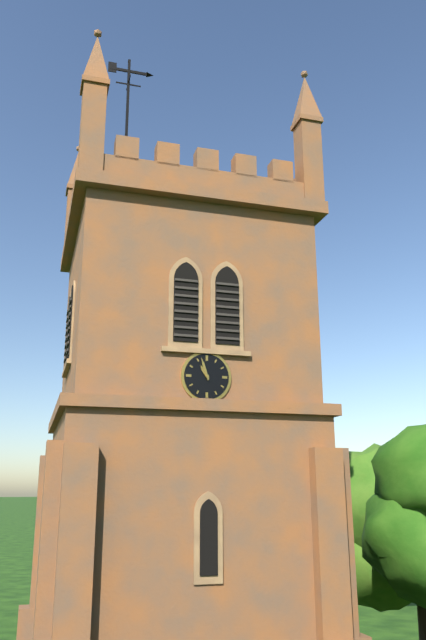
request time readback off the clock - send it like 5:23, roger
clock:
10:57
